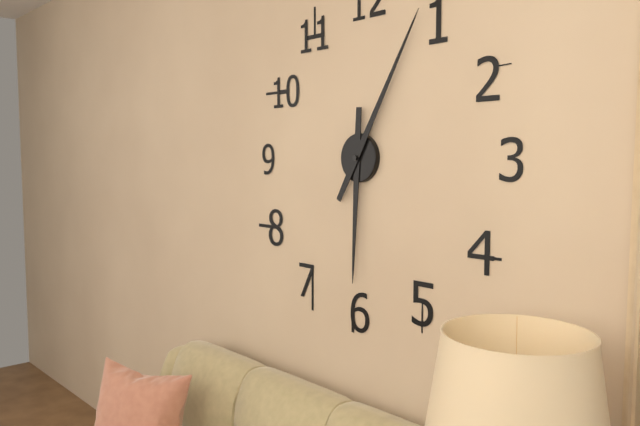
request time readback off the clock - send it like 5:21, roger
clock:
6:05
